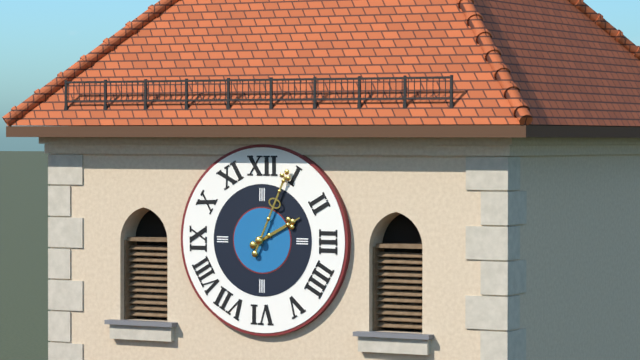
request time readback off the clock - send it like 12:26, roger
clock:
2:04
